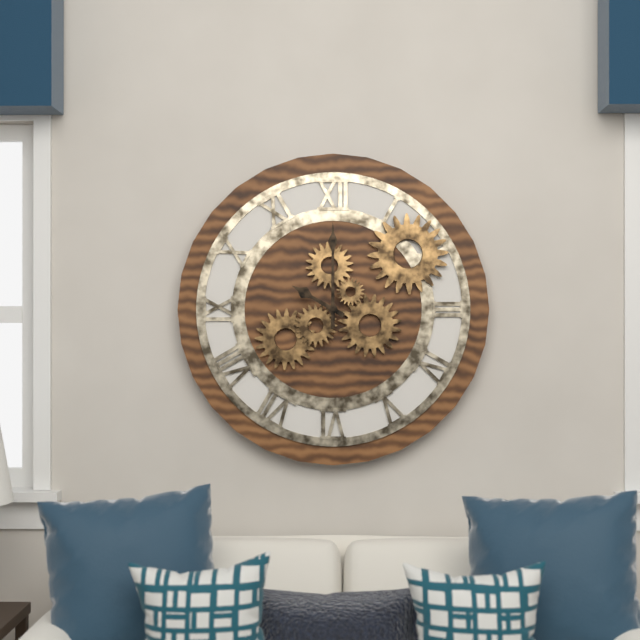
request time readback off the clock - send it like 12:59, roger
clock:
10:00
